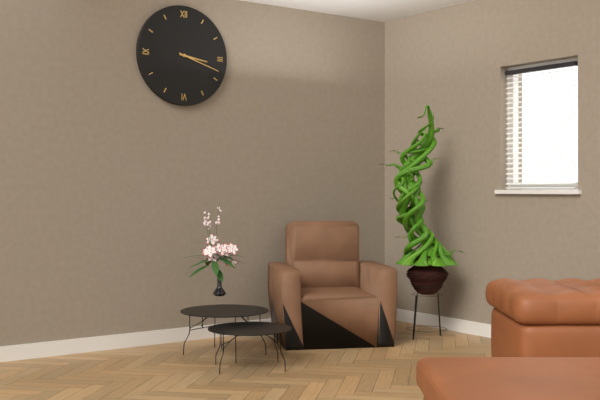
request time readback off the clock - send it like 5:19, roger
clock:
3:18
